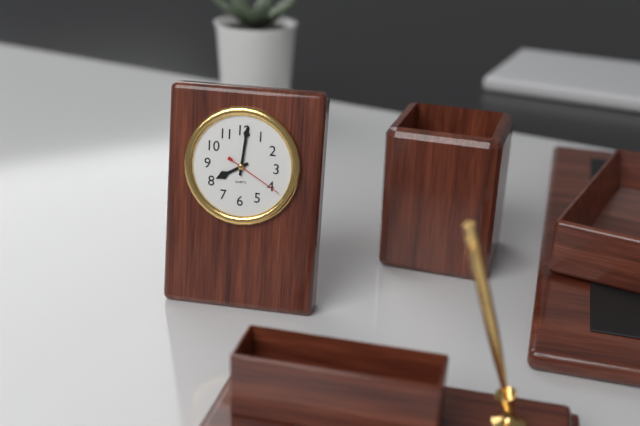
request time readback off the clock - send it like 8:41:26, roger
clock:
8:01:20
